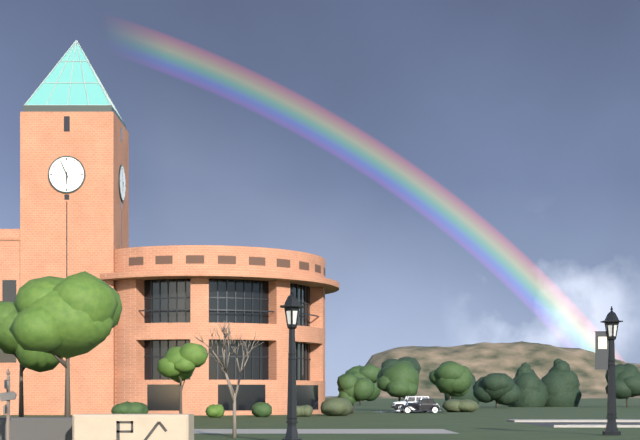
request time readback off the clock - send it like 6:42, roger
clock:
5:56
